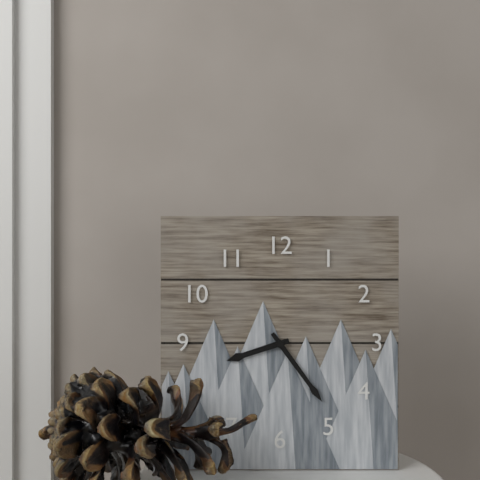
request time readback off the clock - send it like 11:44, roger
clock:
8:24
